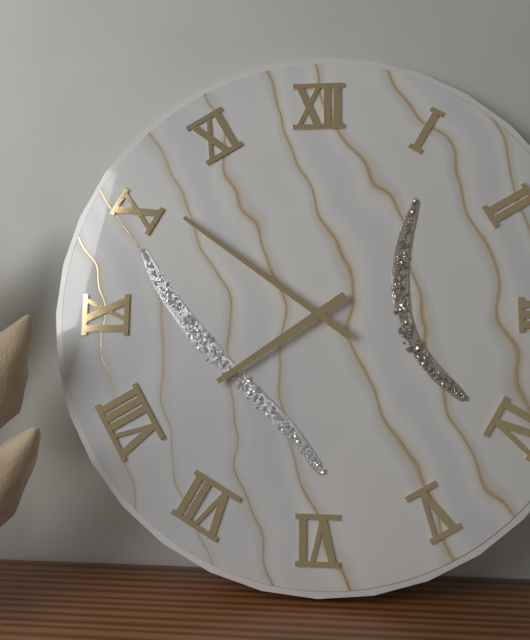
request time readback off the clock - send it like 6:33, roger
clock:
7:51
